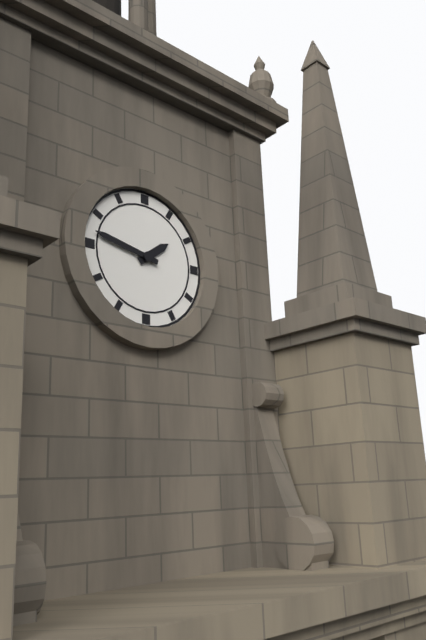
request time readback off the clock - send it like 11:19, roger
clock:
1:47
